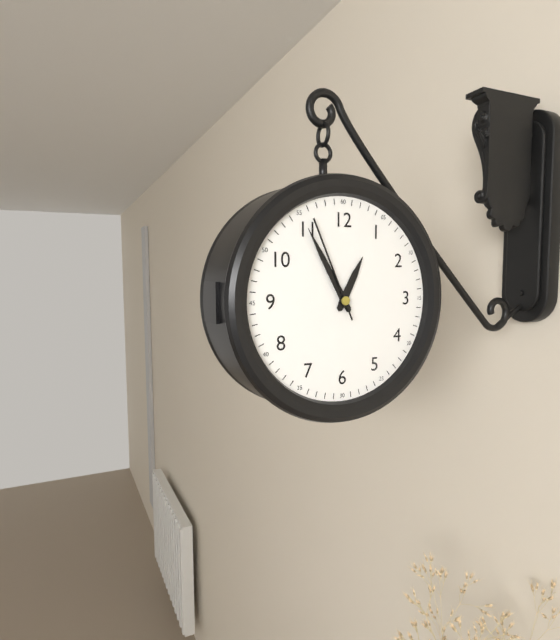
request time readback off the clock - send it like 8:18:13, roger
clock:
12:55:56
